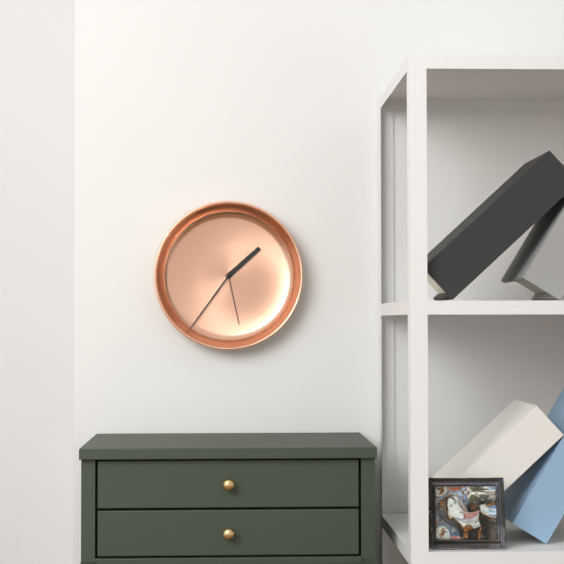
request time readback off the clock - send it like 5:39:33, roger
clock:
1:36:28
